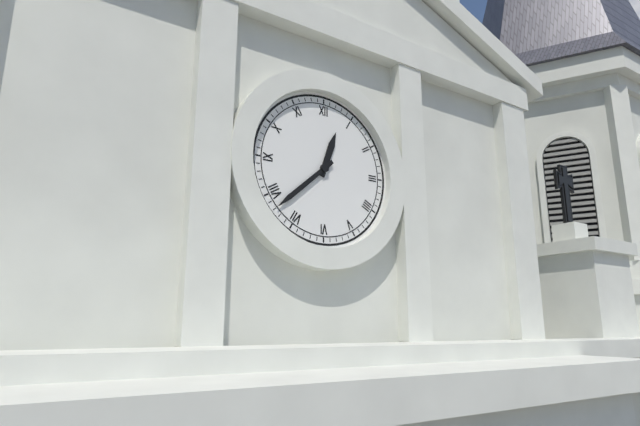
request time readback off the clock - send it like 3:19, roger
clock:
12:38
